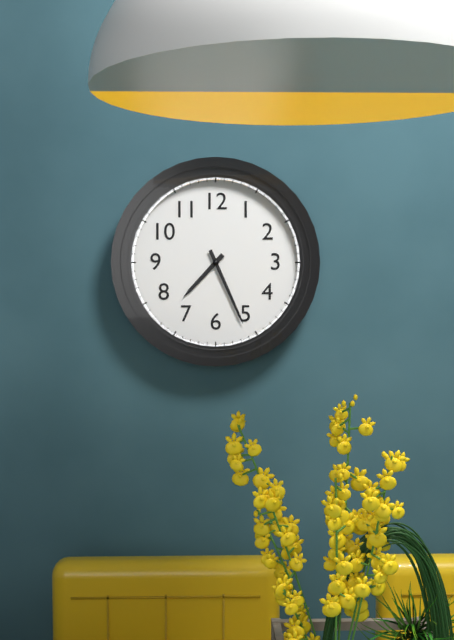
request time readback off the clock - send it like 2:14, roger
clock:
7:26
